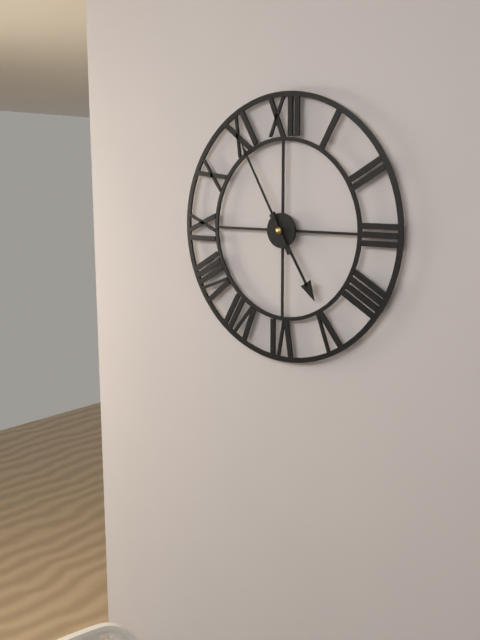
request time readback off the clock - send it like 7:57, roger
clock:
4:55
